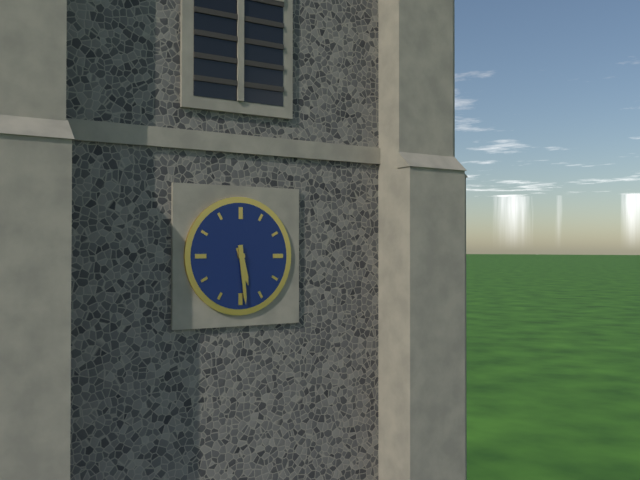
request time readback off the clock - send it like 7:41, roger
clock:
5:29
